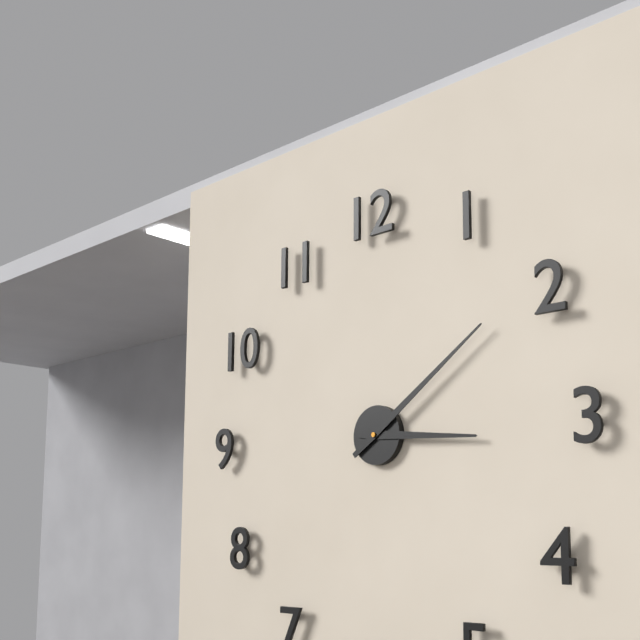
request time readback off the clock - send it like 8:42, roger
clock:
3:09
